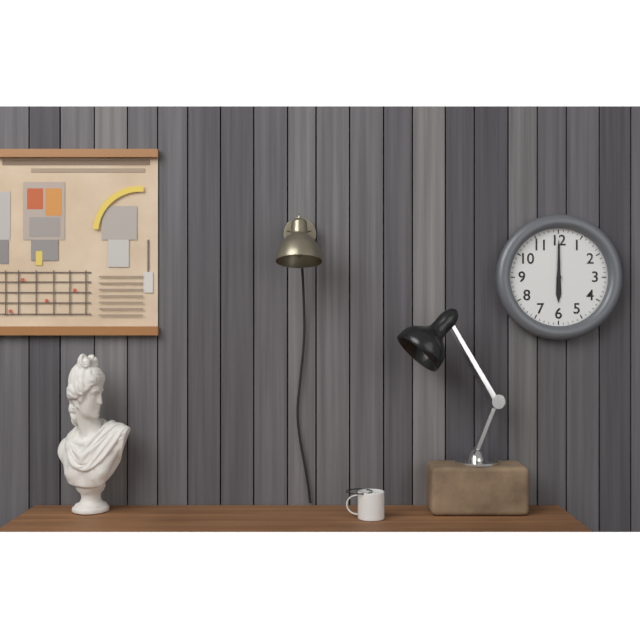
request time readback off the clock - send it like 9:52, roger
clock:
6:00
